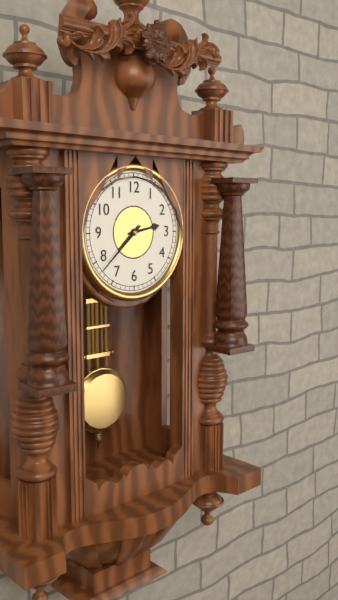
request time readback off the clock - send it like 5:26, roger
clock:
2:38
